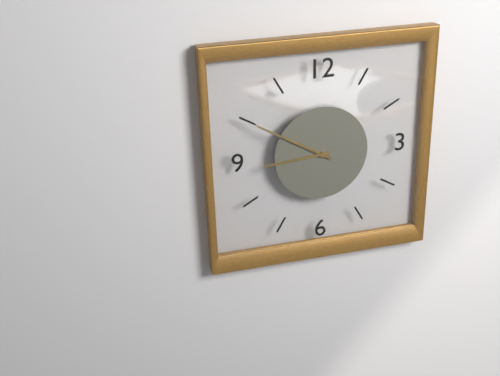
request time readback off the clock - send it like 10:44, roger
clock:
8:50
